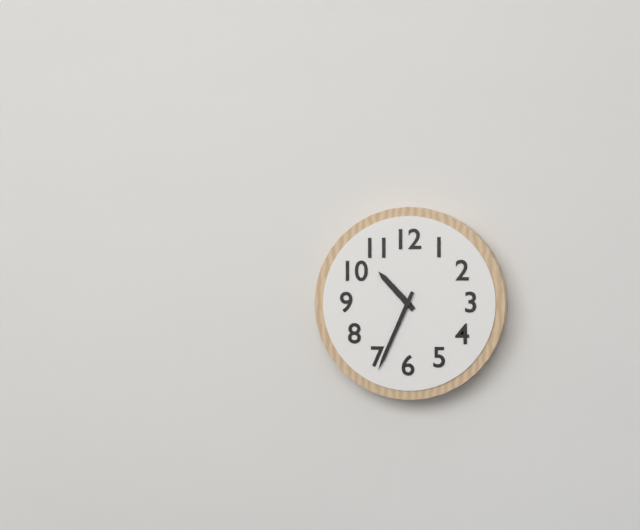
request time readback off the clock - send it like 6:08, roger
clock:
10:34
